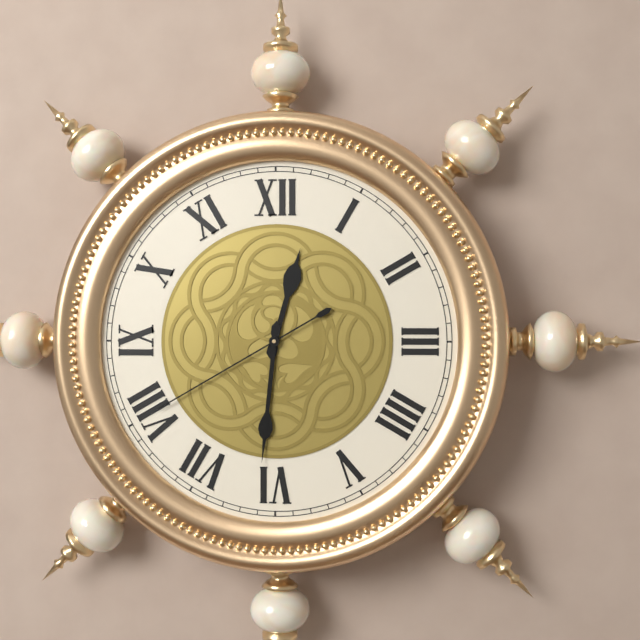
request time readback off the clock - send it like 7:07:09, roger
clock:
12:31:40
